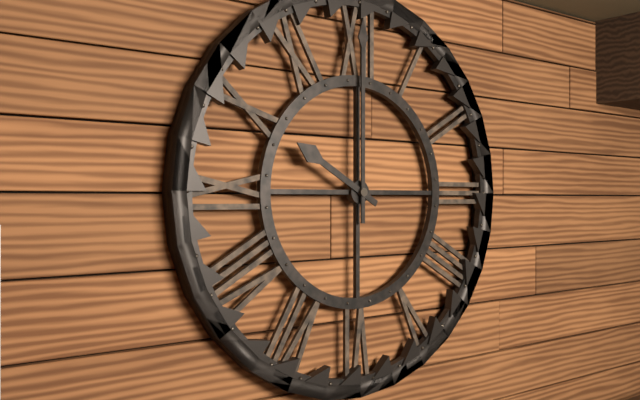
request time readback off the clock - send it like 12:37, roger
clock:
10:00
